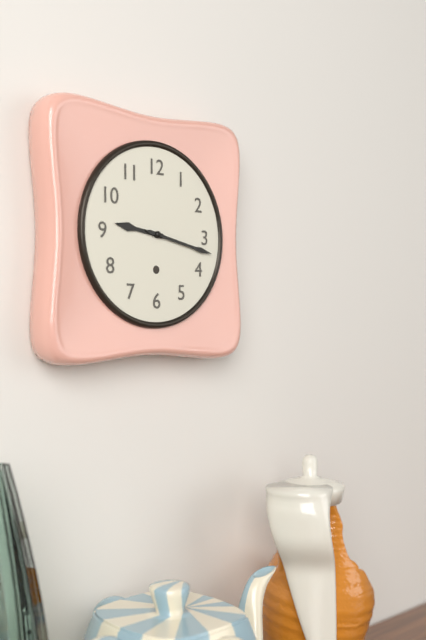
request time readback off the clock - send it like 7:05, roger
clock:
9:17
